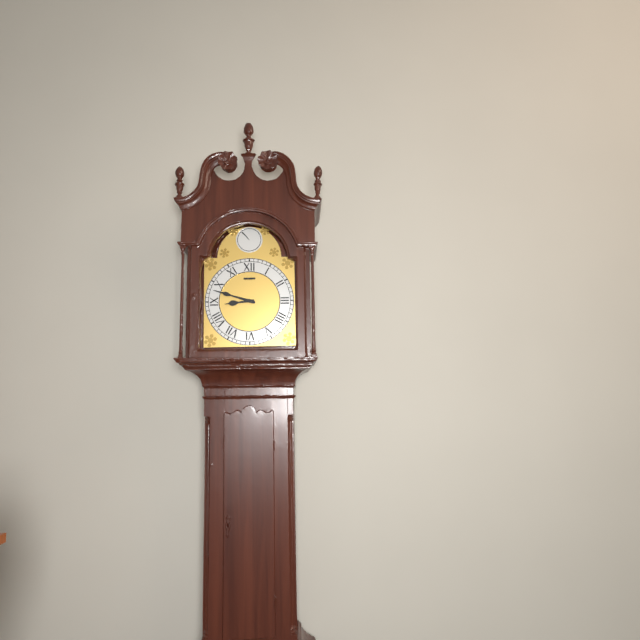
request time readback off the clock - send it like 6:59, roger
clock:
8:48
